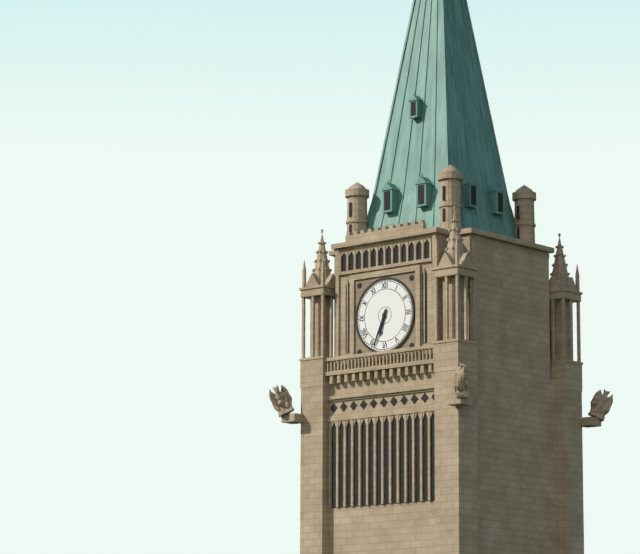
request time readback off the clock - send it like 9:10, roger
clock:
6:34
